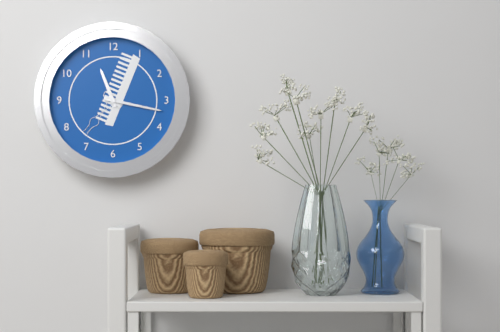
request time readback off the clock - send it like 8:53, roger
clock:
11:17
